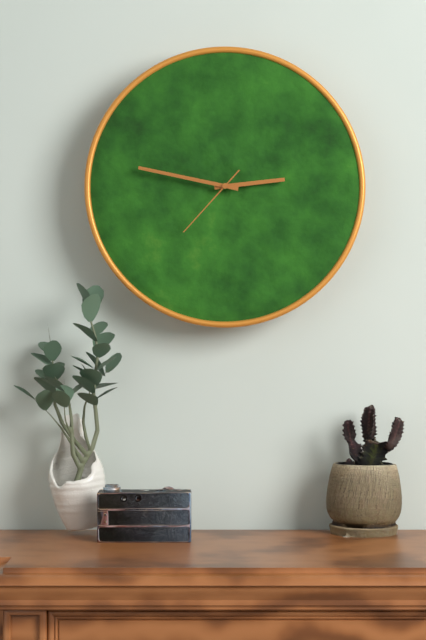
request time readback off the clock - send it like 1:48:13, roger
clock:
2:47:37
